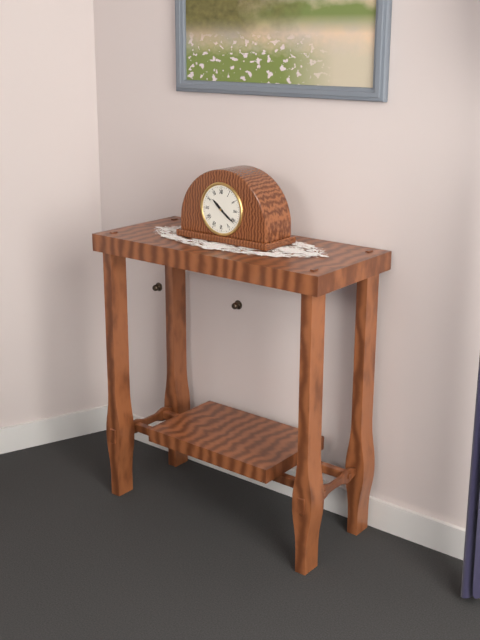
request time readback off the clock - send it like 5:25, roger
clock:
10:21
